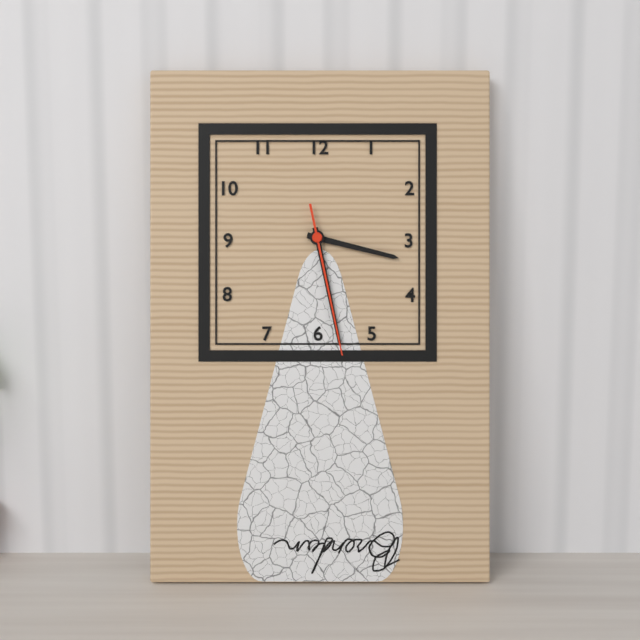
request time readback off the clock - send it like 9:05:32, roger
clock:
3:28:28
